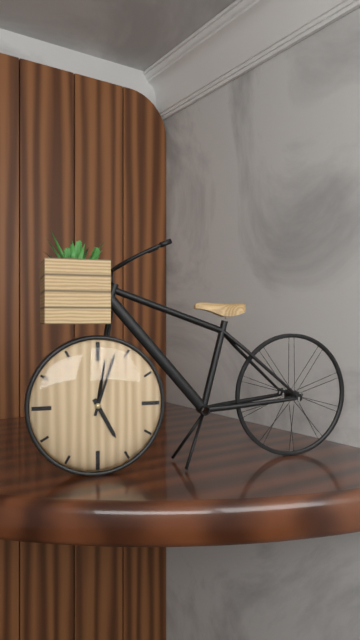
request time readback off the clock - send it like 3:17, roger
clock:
5:03
